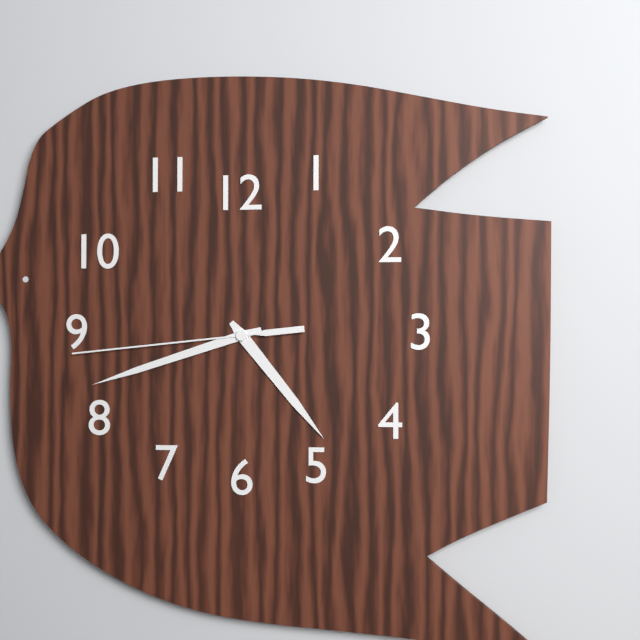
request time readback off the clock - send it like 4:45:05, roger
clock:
4:42:44
